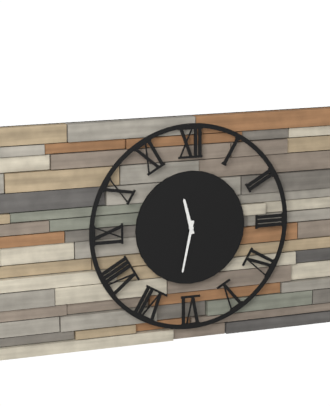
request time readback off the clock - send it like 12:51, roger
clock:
11:32
